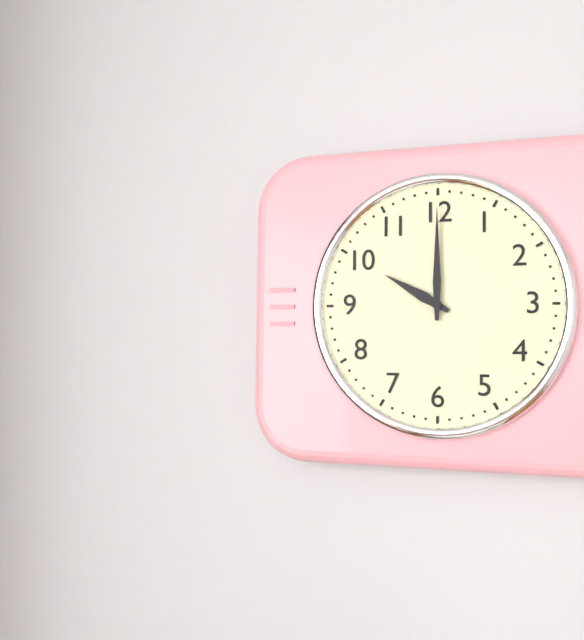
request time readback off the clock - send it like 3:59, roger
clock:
10:00
